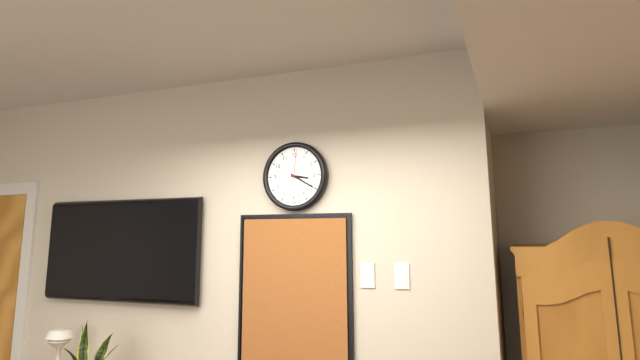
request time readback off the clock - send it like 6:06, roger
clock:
3:20
